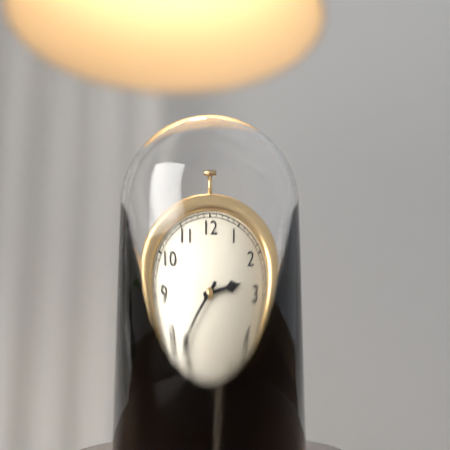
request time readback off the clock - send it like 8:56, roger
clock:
2:37
